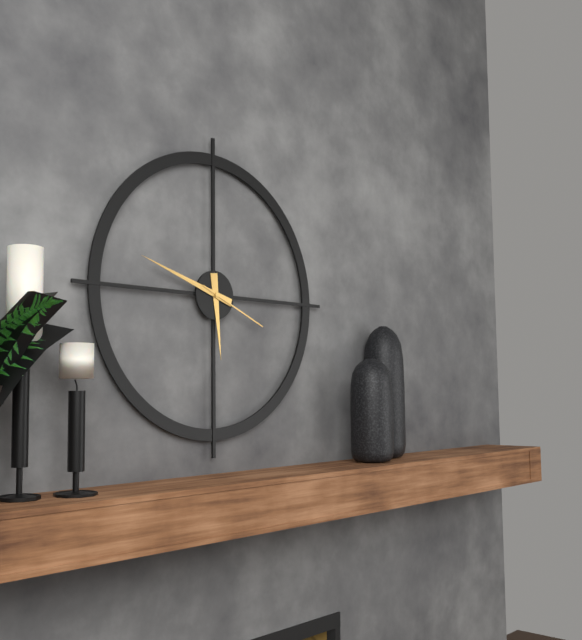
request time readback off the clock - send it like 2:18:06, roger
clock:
5:48:19
